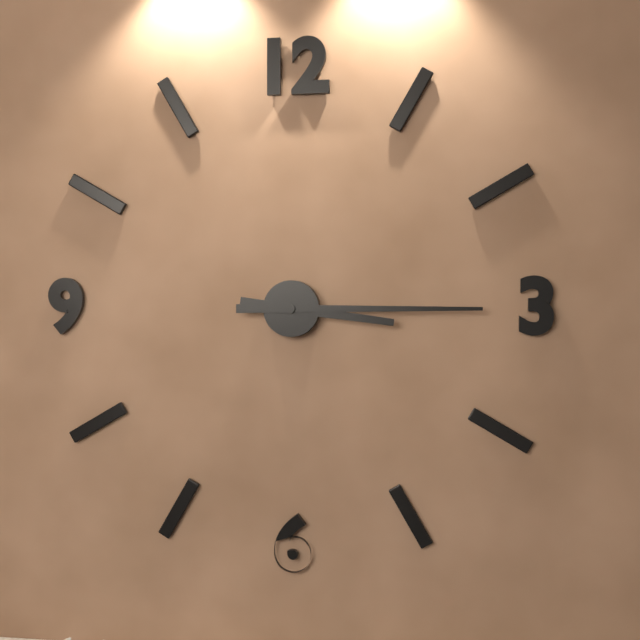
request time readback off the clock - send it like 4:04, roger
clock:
3:15
